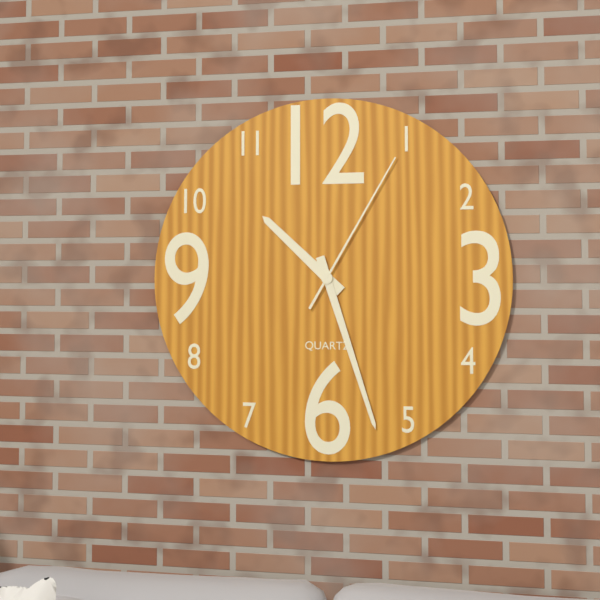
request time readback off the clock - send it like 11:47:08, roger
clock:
10:27:05
